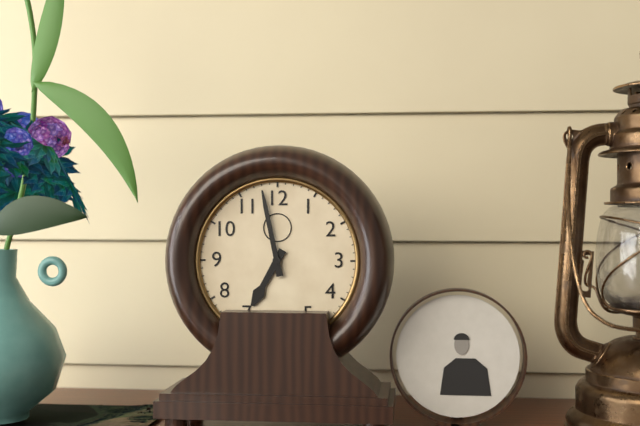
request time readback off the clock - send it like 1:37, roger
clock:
6:58
